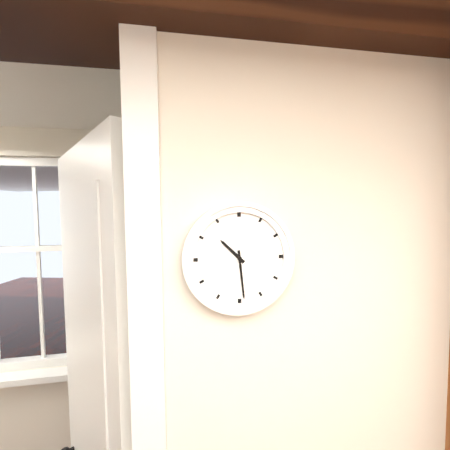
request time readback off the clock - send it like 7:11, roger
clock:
10:29
